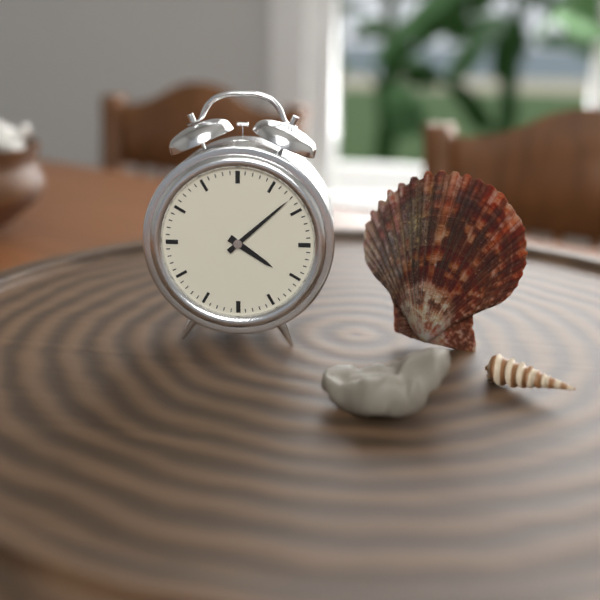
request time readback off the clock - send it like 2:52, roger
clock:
4:08
